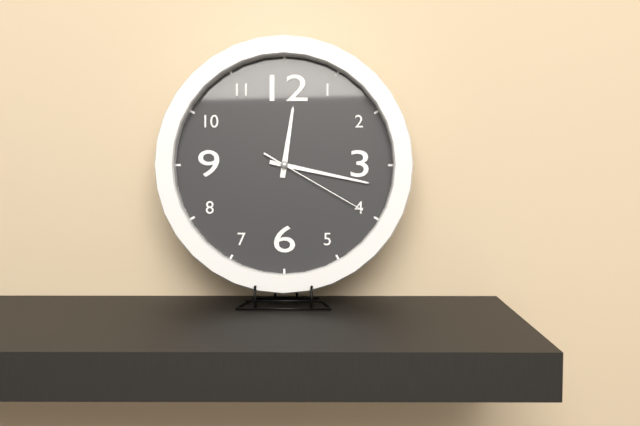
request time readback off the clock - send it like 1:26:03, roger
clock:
12:17:20
